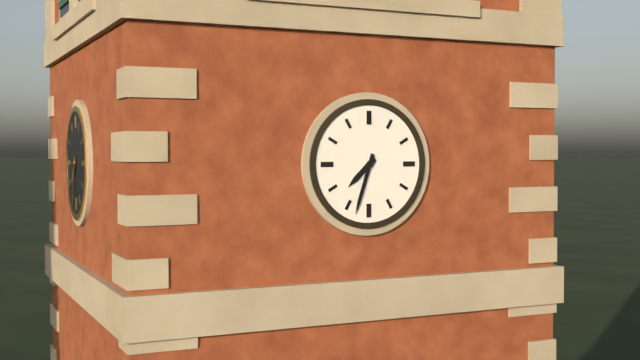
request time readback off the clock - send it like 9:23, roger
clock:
7:33
